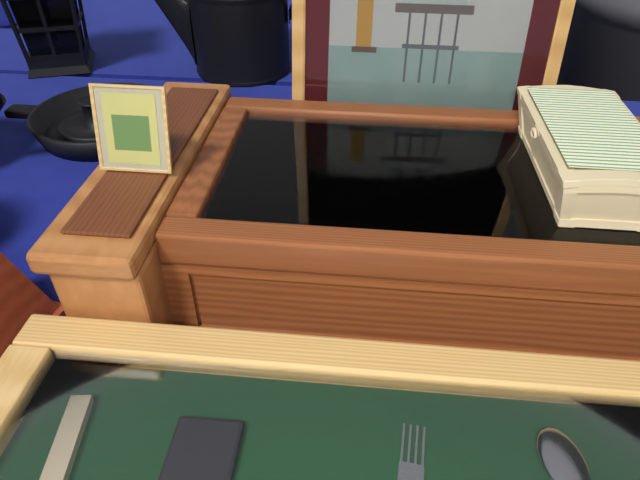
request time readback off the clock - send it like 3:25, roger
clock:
11:07
